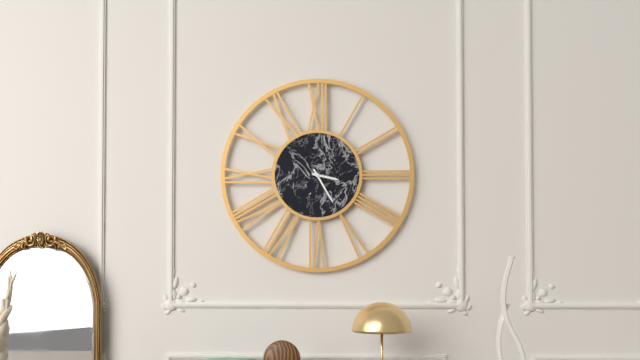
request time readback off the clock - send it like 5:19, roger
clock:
3:25
